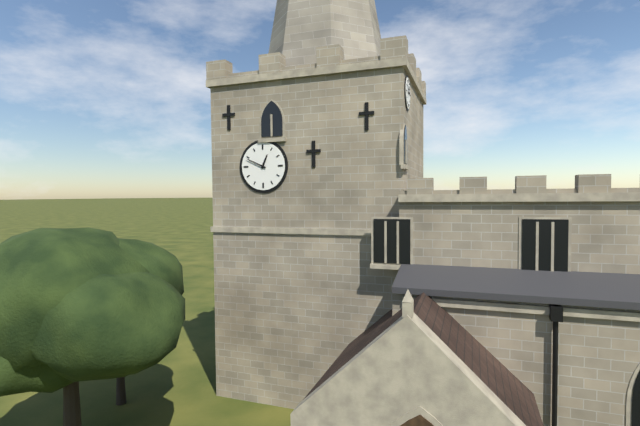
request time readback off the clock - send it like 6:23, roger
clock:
12:49
